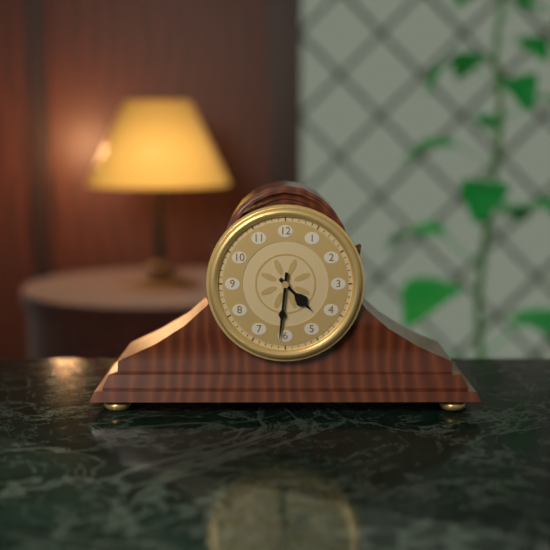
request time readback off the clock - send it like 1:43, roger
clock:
4:31
